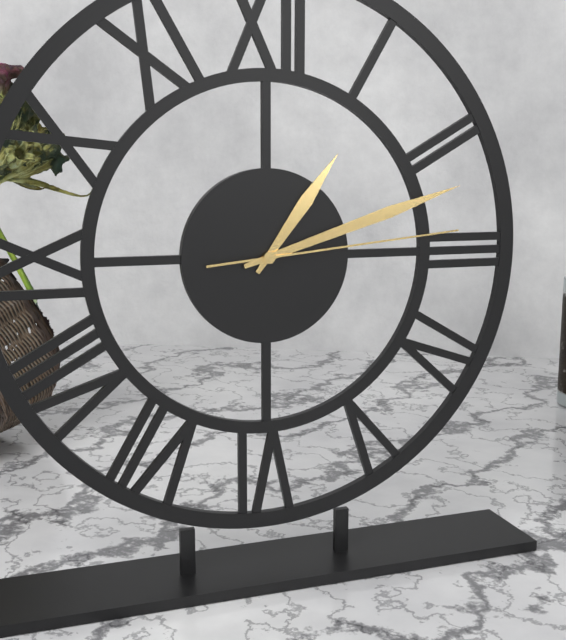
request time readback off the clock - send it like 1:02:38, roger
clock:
1:12:14
